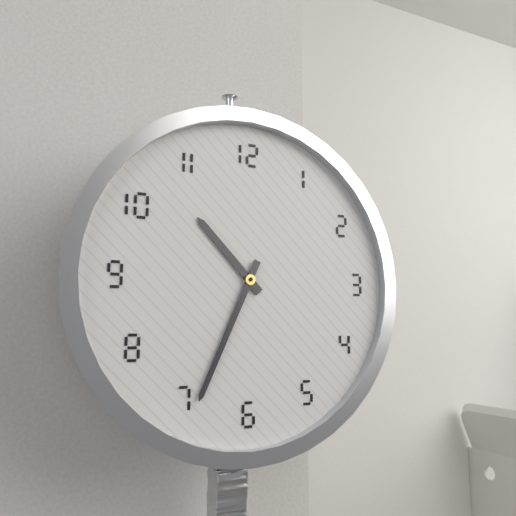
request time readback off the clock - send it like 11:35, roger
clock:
10:34
